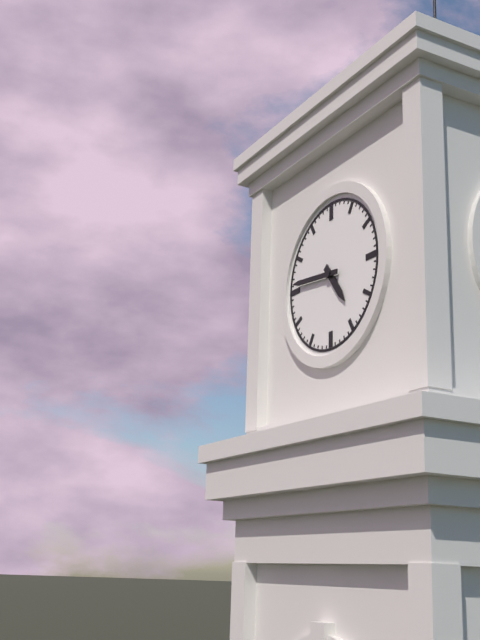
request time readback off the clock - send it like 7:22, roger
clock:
4:46
